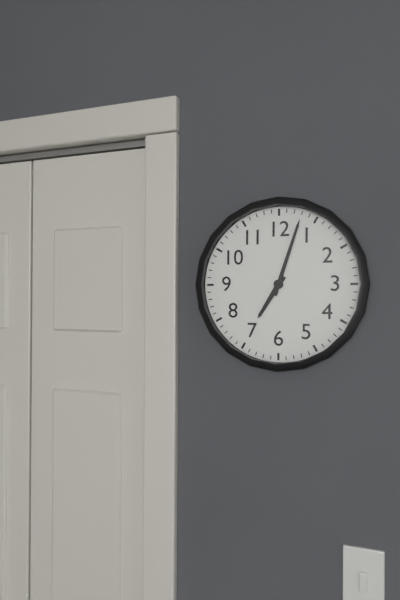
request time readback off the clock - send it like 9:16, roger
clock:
7:03
